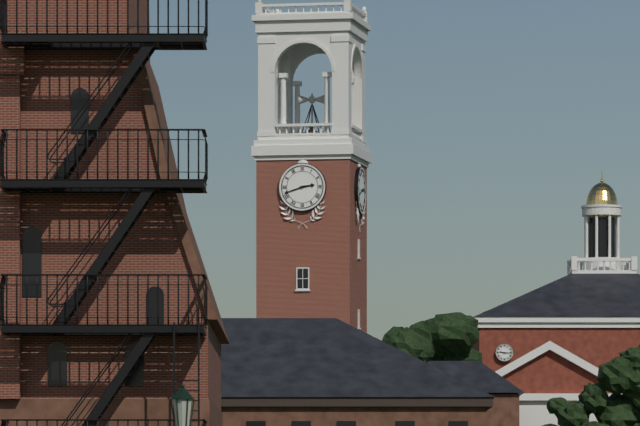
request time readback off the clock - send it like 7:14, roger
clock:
2:42
